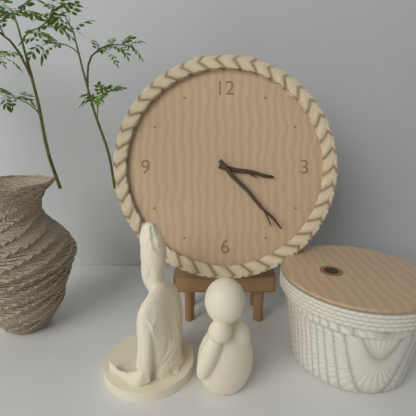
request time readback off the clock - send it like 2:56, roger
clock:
3:23
